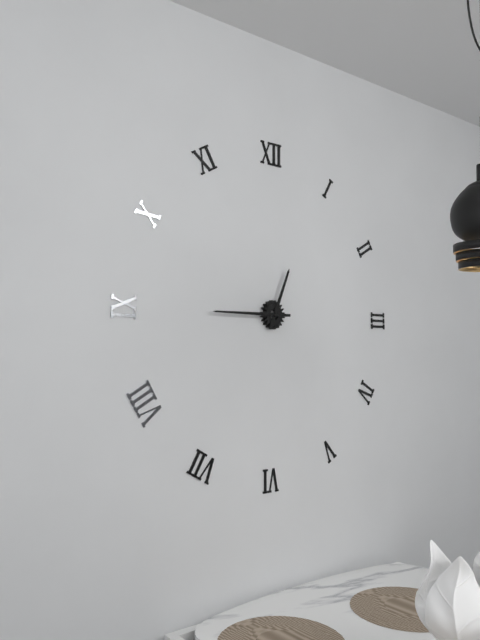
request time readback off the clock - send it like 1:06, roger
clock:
12:45
